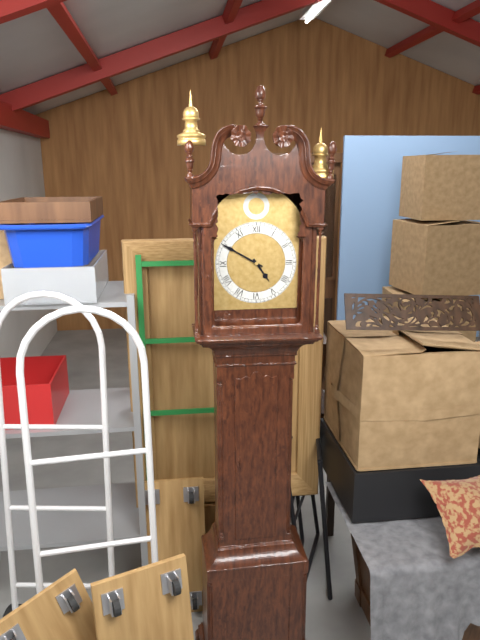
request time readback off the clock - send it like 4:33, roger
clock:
4:50
